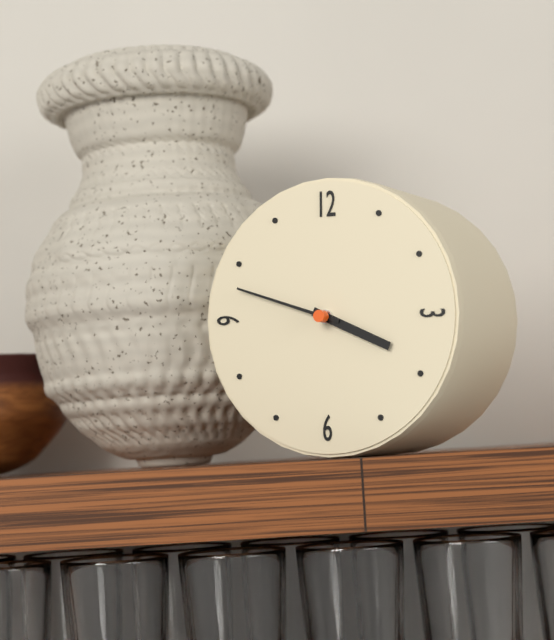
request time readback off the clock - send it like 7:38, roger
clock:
3:48
